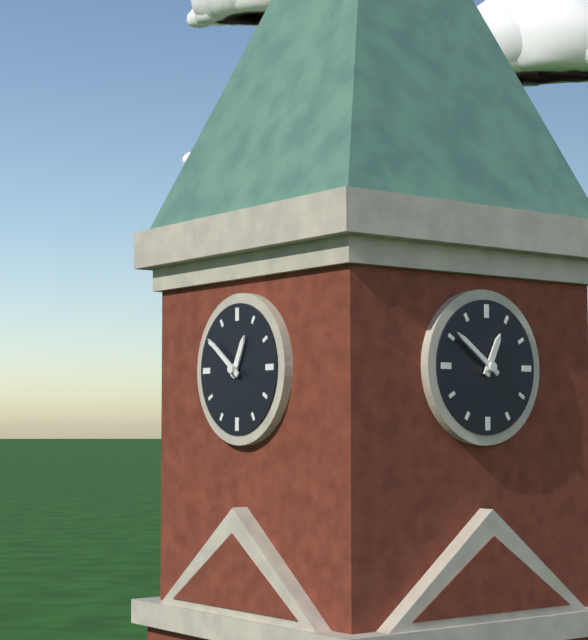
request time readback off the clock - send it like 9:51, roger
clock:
12:51
